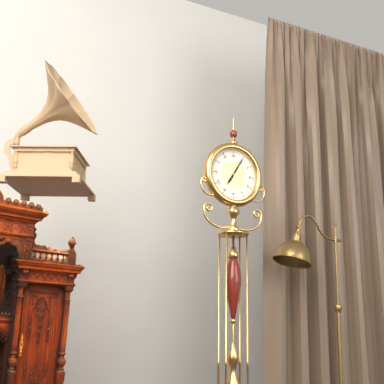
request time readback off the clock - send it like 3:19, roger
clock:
7:05
